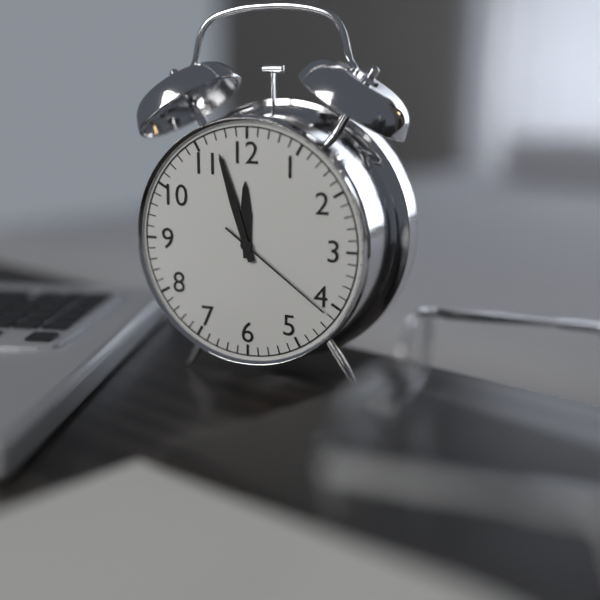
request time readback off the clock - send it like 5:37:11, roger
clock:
11:57:21
